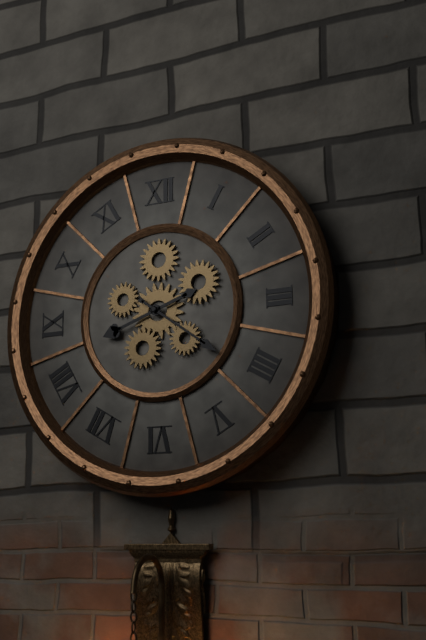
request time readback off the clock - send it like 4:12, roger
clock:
8:21
